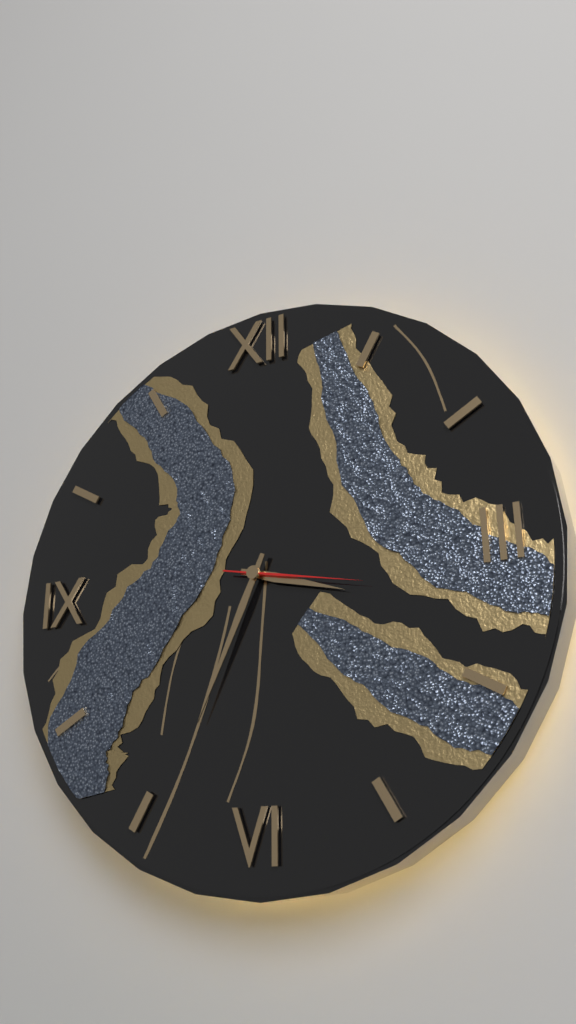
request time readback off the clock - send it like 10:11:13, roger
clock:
3:34:17
